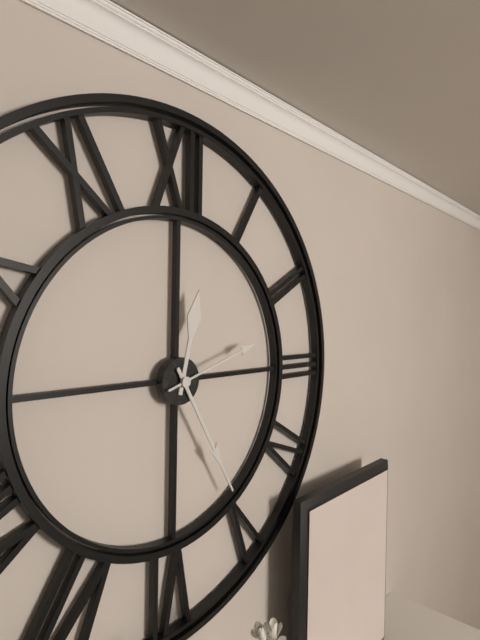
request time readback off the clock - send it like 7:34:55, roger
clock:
12:25:12
